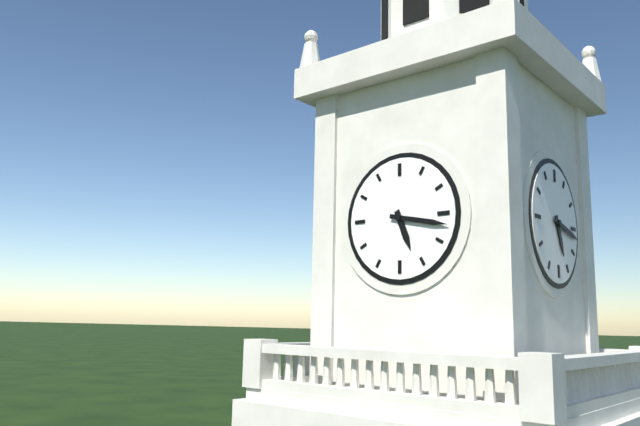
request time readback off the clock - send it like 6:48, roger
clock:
5:17
